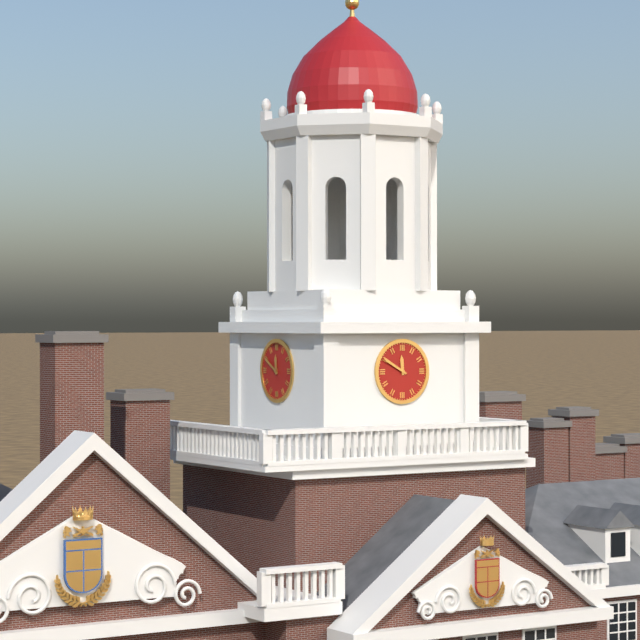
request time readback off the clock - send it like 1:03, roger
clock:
11:50
